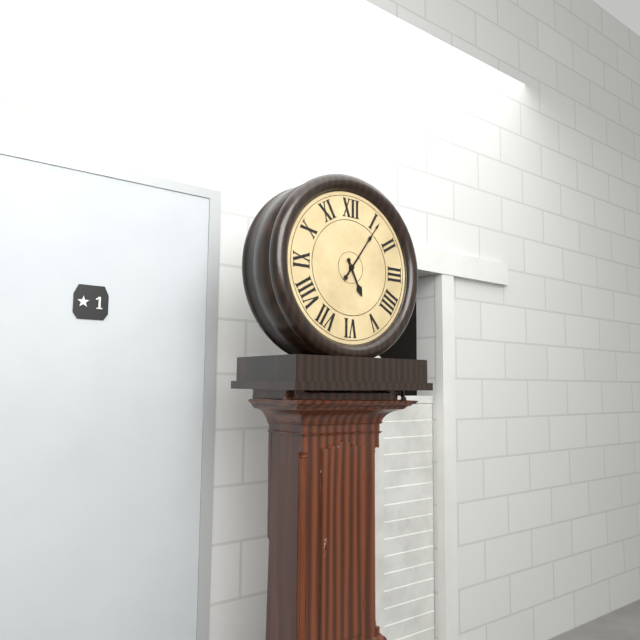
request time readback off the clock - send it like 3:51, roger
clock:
5:06
